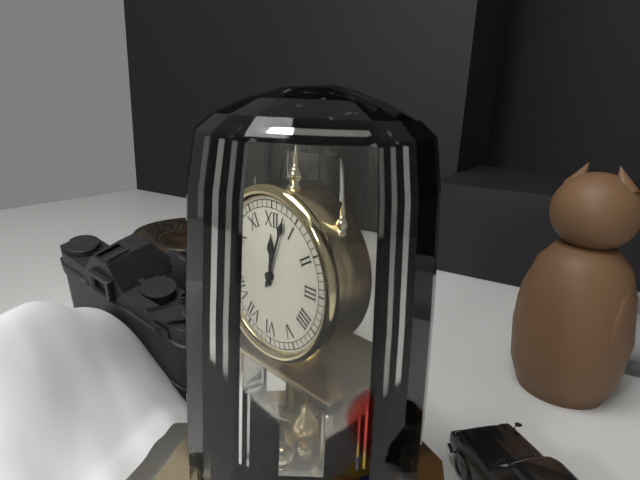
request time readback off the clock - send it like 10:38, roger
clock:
12:03
